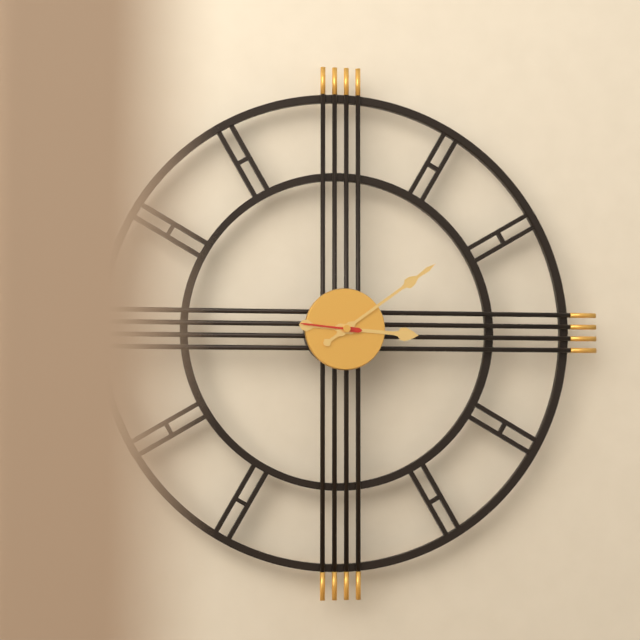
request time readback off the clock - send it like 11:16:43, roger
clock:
3:09:46
